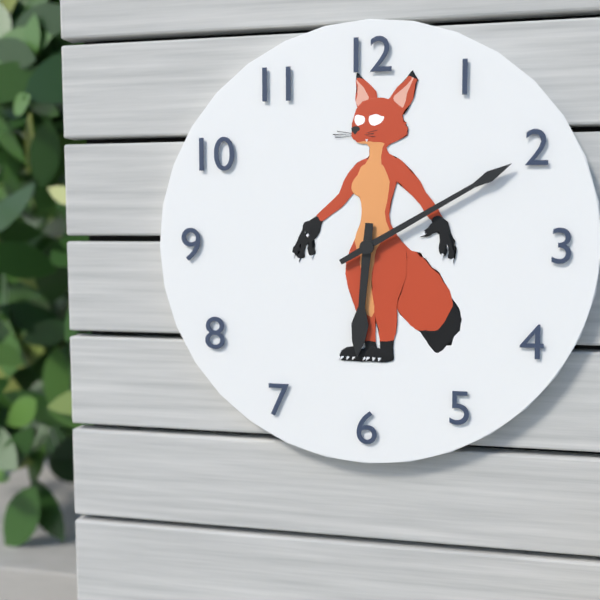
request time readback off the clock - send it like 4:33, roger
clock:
6:10
